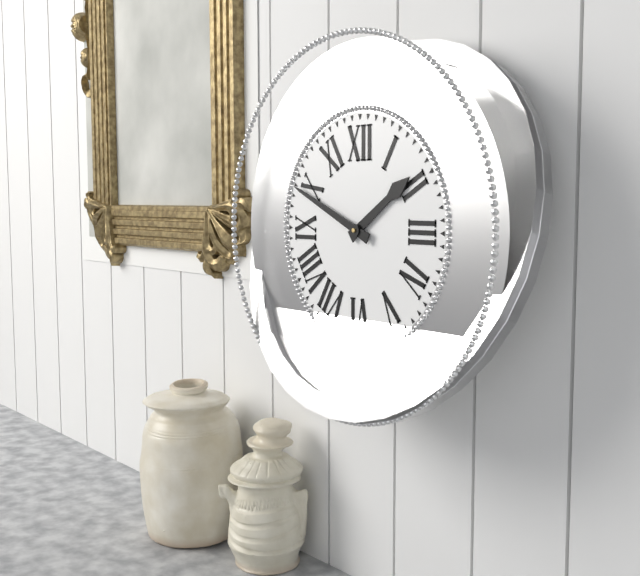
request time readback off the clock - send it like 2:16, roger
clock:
1:49
